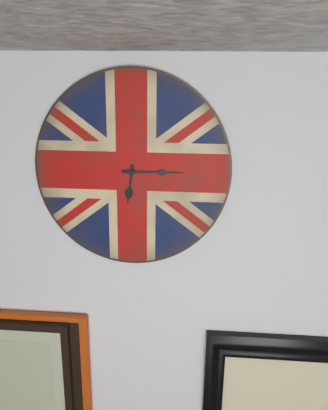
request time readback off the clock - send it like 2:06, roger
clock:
6:15
